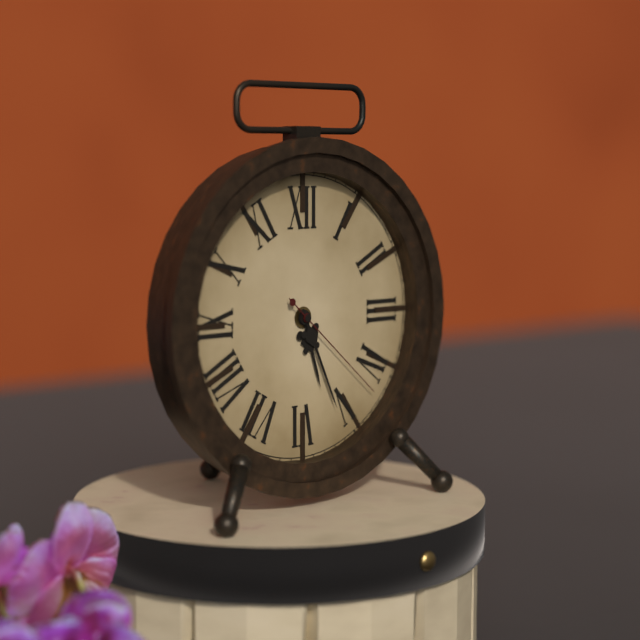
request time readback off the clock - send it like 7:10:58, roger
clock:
5:26:22
